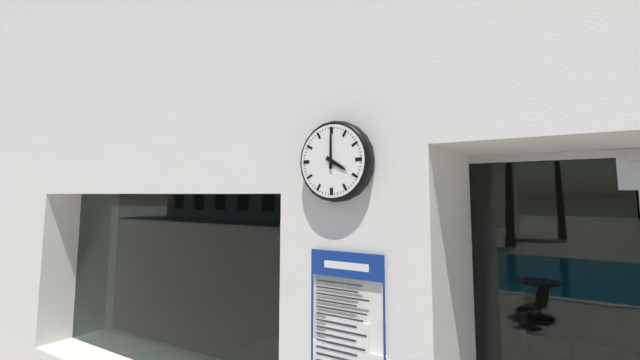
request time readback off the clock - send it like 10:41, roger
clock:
4:00
